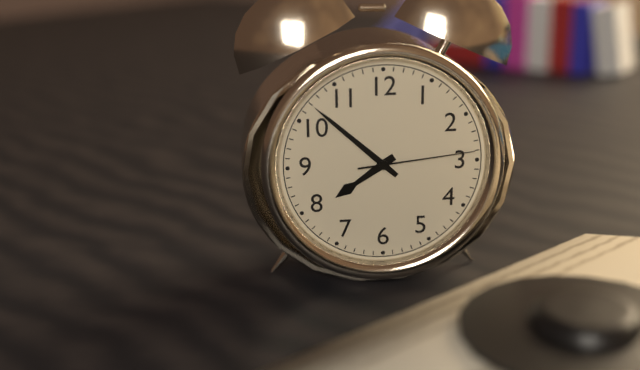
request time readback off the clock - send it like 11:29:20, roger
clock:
7:52:14
